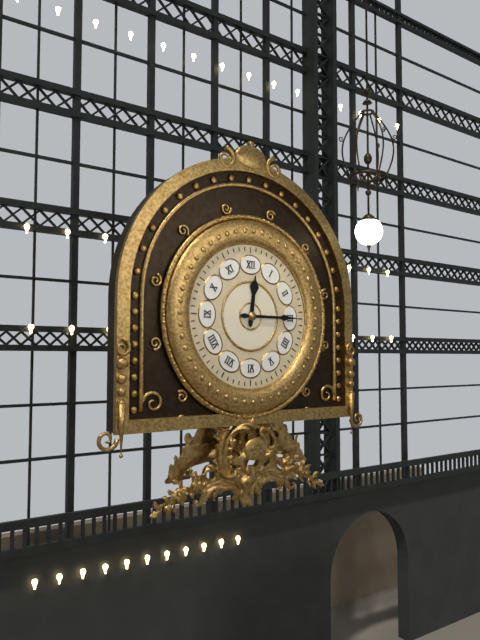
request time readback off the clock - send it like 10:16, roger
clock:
12:15
